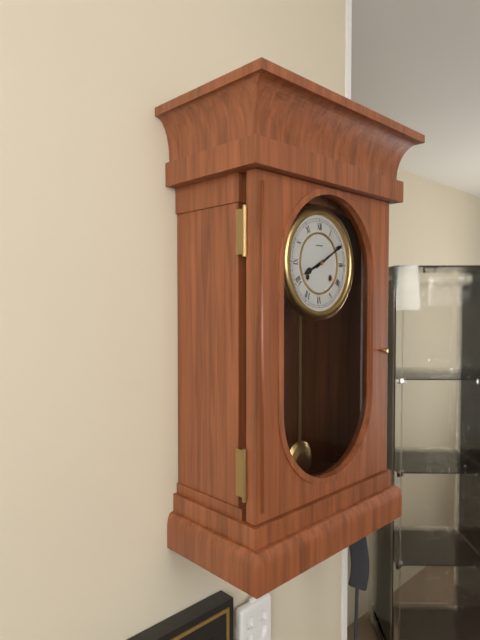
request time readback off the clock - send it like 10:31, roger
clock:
8:10
